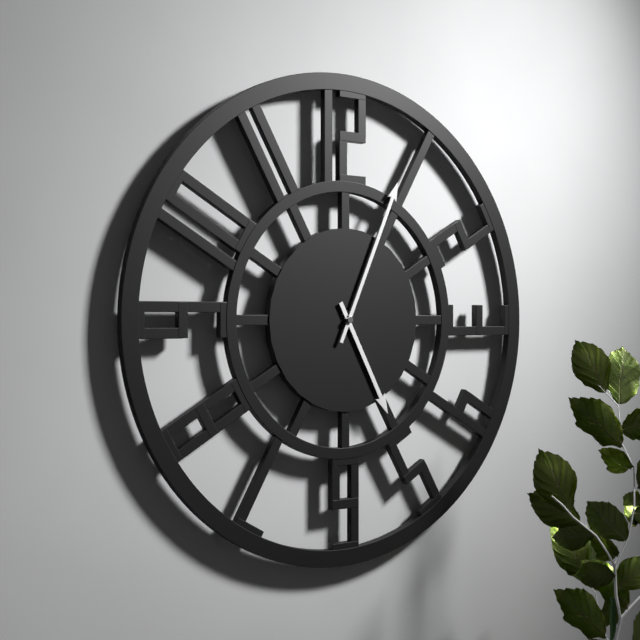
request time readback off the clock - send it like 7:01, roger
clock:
5:04
